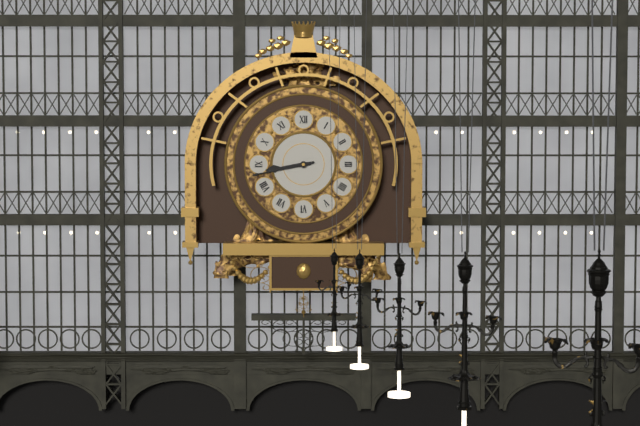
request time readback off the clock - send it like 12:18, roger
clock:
8:43
